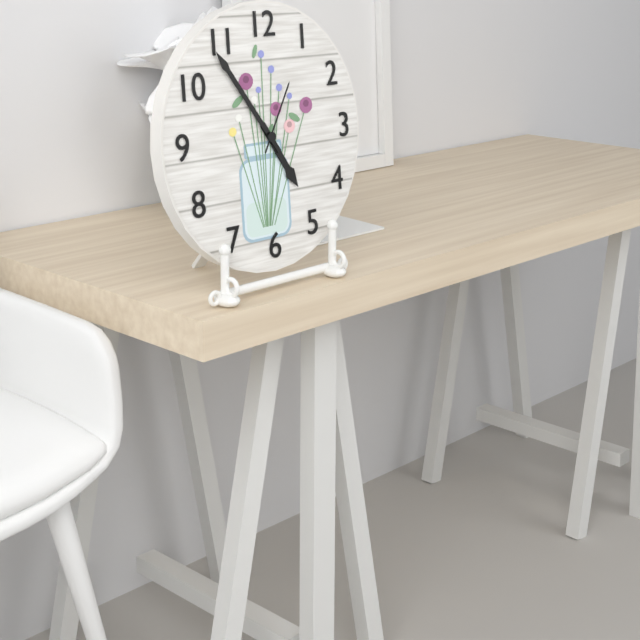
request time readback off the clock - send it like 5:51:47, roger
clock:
4:54:05
